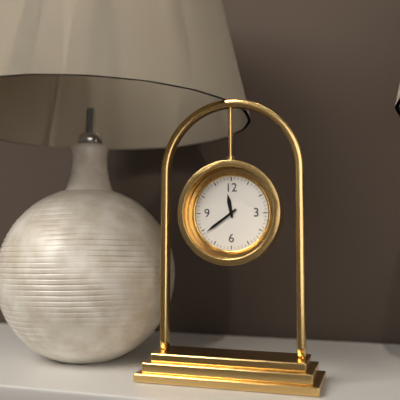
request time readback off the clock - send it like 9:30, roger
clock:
11:39
